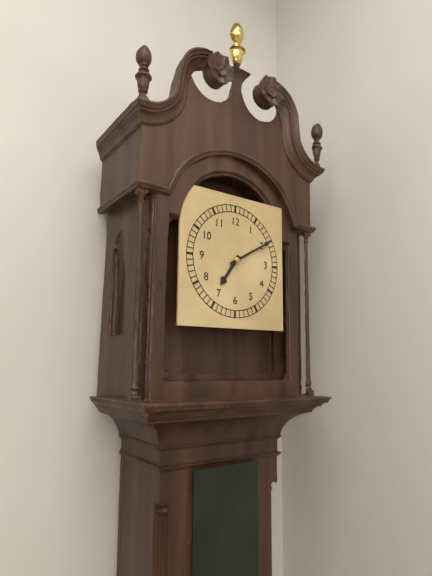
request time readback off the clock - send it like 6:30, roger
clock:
7:10
